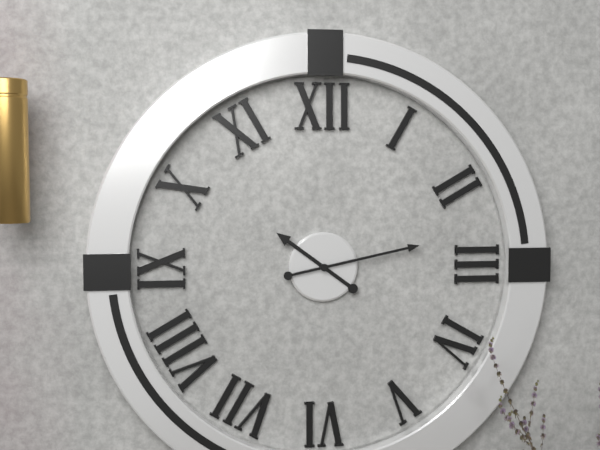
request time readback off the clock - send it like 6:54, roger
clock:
10:13
